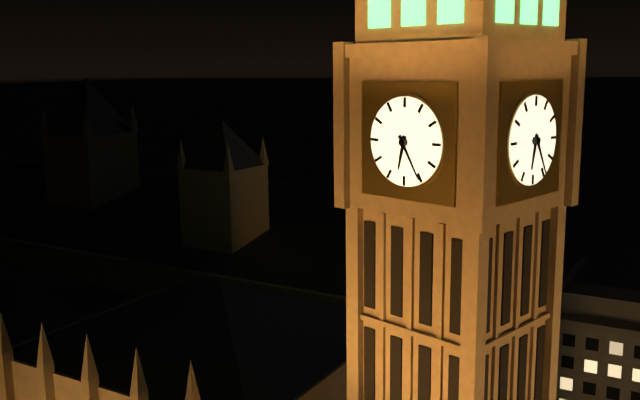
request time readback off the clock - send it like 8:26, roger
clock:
6:25
